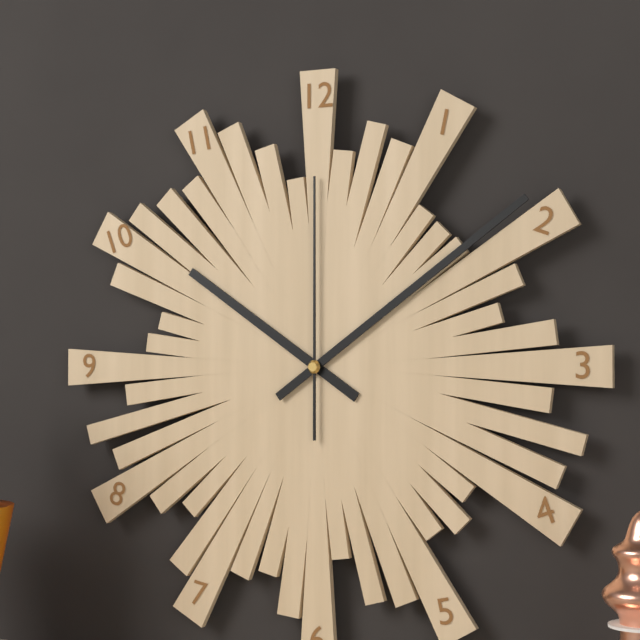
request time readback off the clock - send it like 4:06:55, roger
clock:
10:09:00
